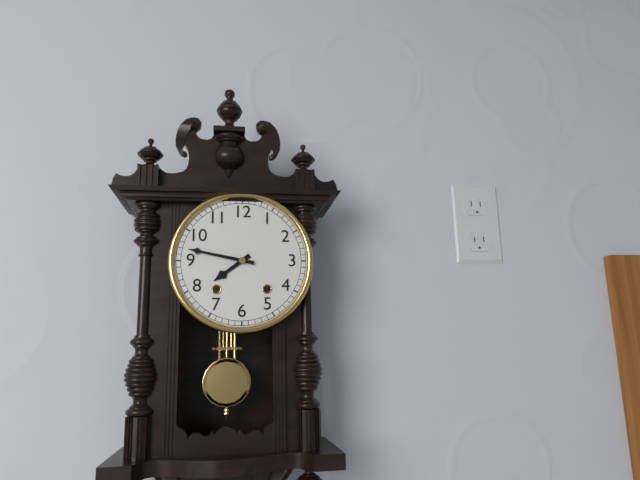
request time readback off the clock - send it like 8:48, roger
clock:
7:47
